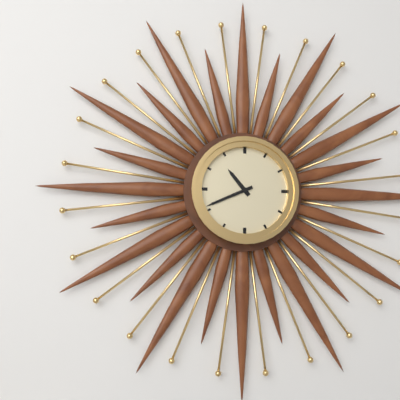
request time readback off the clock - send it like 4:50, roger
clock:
10:41
